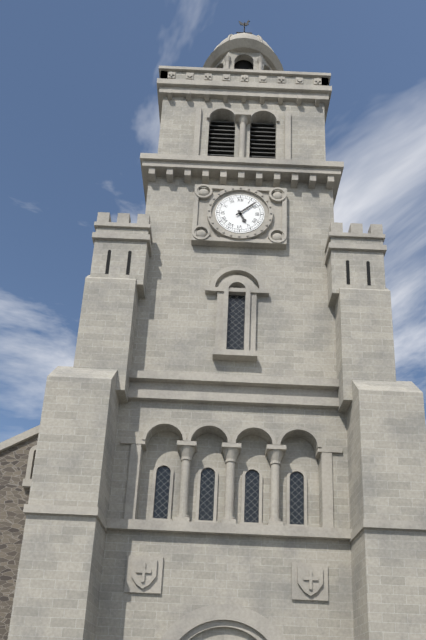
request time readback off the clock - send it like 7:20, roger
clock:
5:08
